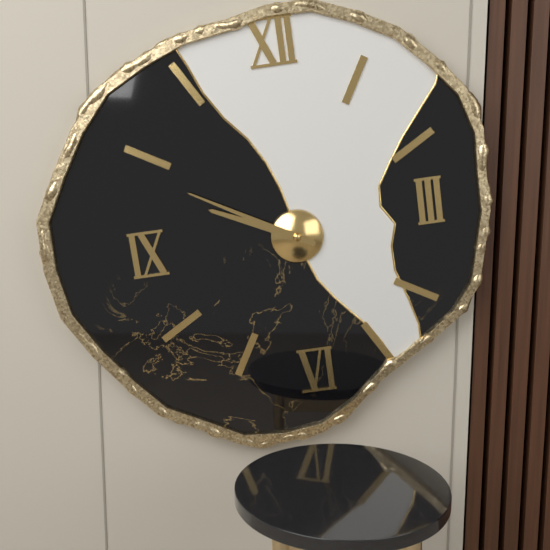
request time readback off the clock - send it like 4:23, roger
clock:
9:50
